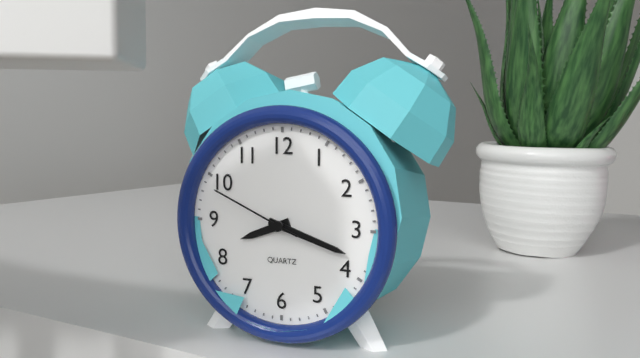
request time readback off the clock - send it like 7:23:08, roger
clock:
8:18:49
